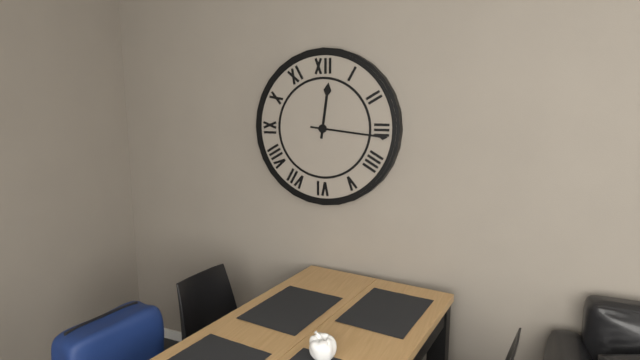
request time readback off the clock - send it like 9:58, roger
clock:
12:16
